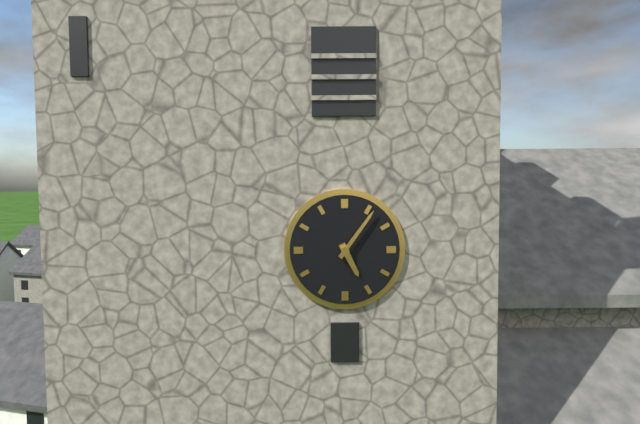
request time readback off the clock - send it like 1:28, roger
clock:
5:06
